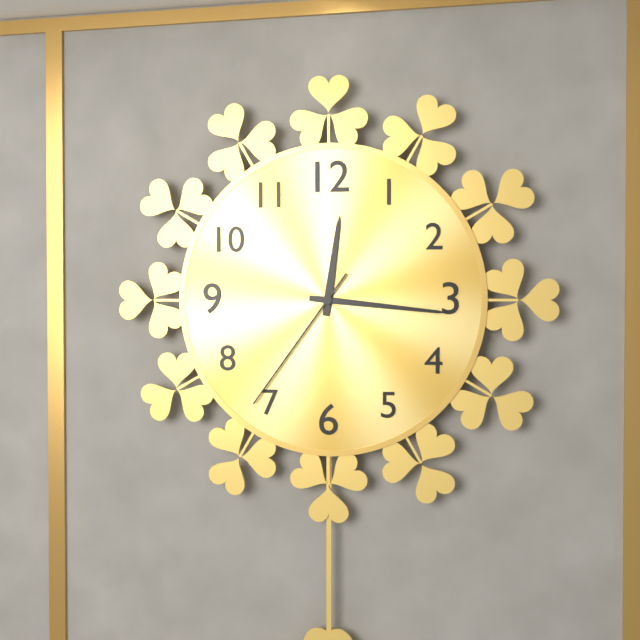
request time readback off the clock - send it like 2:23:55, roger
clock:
12:16:36
